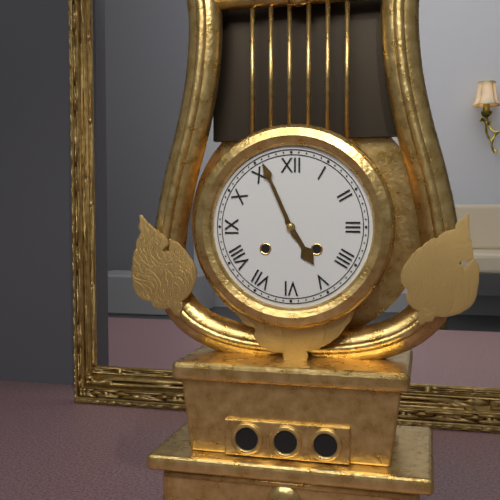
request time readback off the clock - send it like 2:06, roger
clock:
4:56
